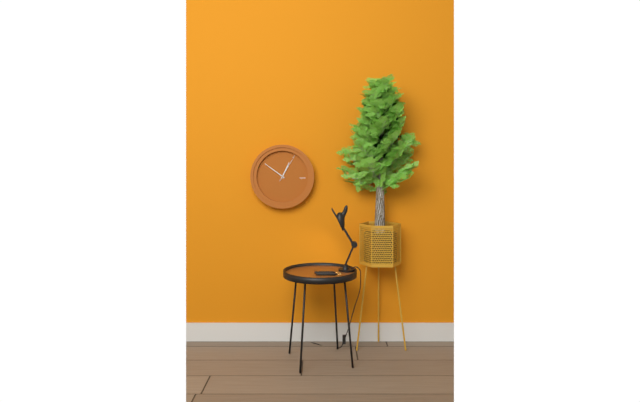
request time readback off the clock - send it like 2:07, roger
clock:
12:51
